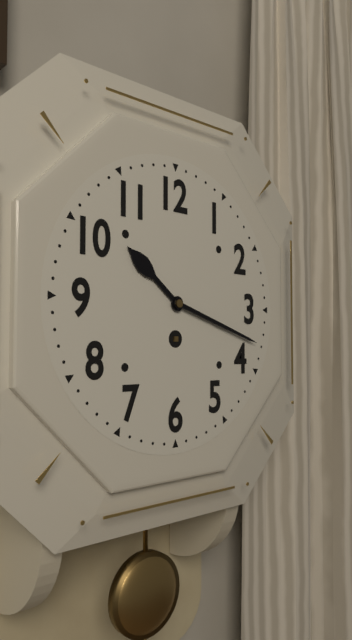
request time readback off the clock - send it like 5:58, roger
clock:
10:18
